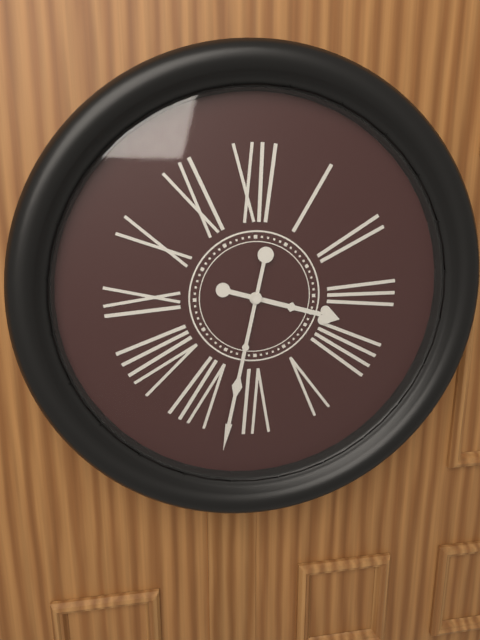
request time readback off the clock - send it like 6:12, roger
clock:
3:32
